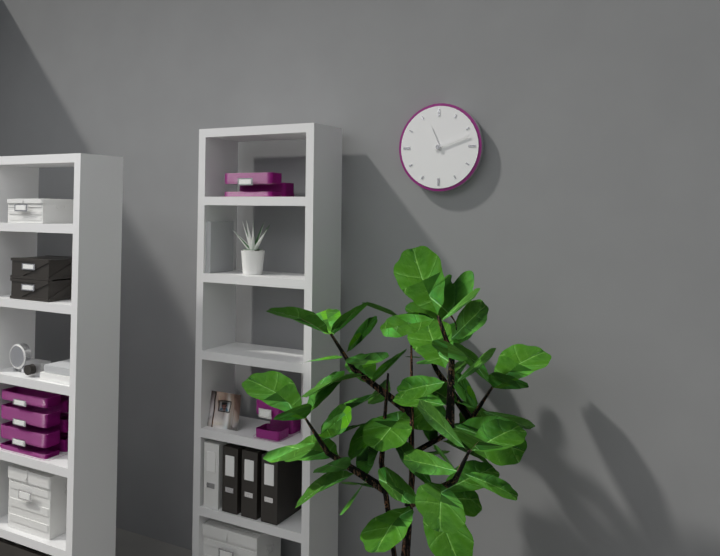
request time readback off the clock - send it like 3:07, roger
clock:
11:12
